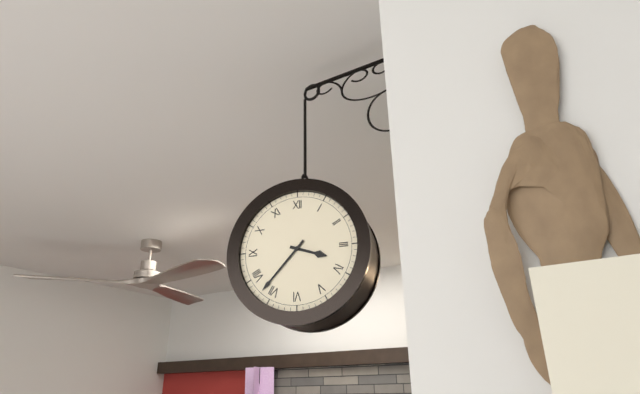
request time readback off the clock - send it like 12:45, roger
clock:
3:37
